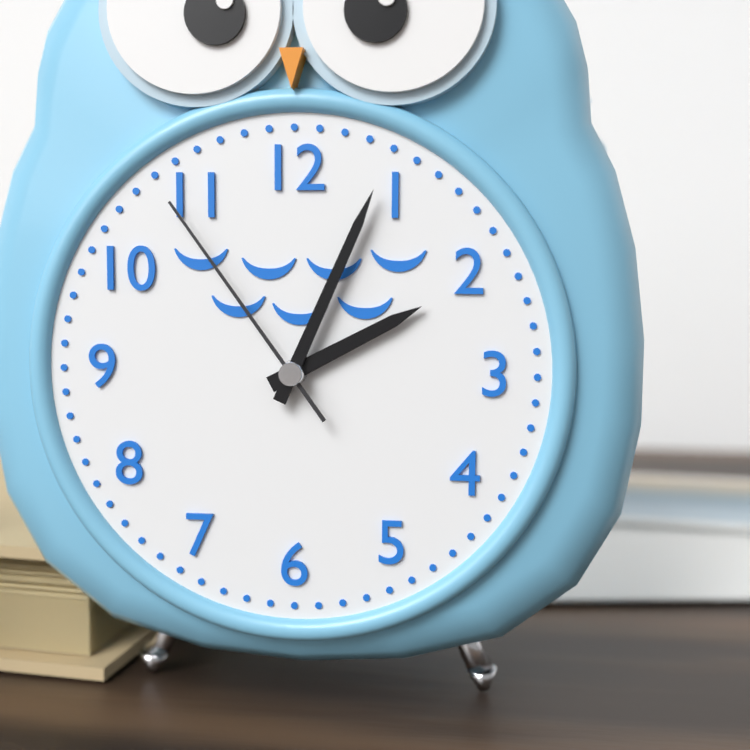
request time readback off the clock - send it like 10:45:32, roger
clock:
2:04:54
